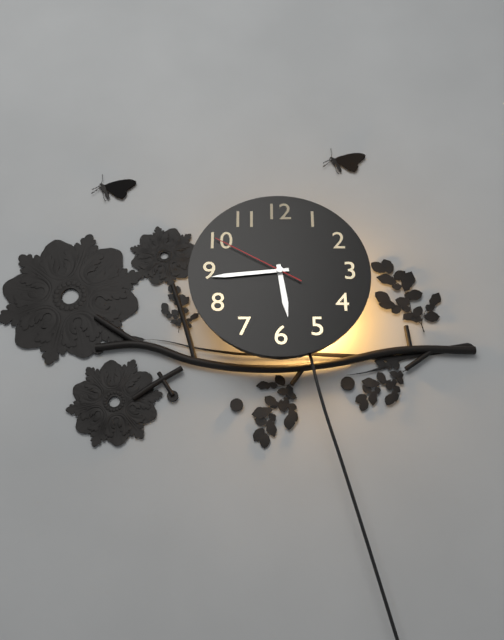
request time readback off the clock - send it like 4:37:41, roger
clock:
5:44:50
